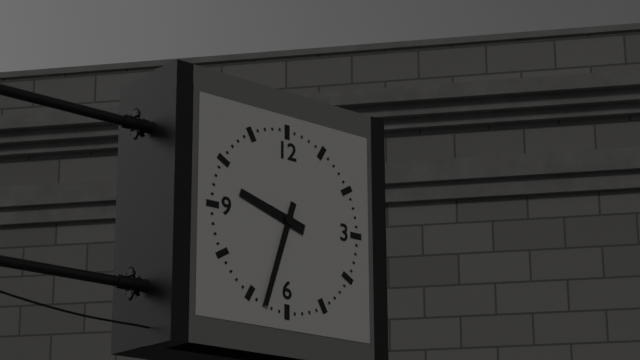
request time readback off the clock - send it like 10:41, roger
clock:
9:33
